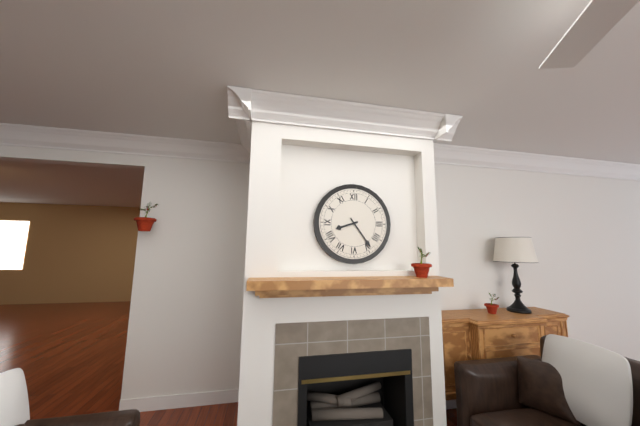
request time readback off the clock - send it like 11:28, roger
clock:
8:24
